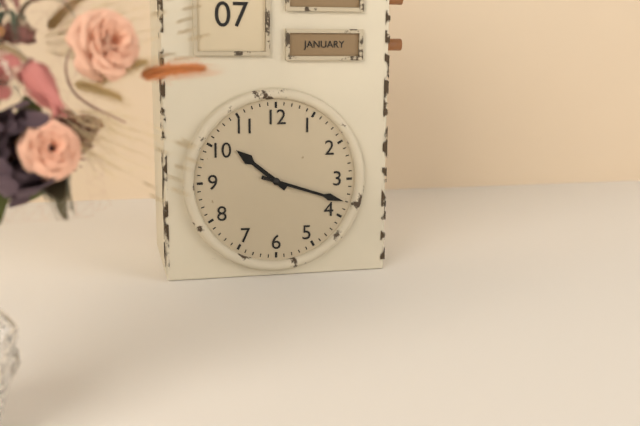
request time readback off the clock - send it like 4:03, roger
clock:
10:18
